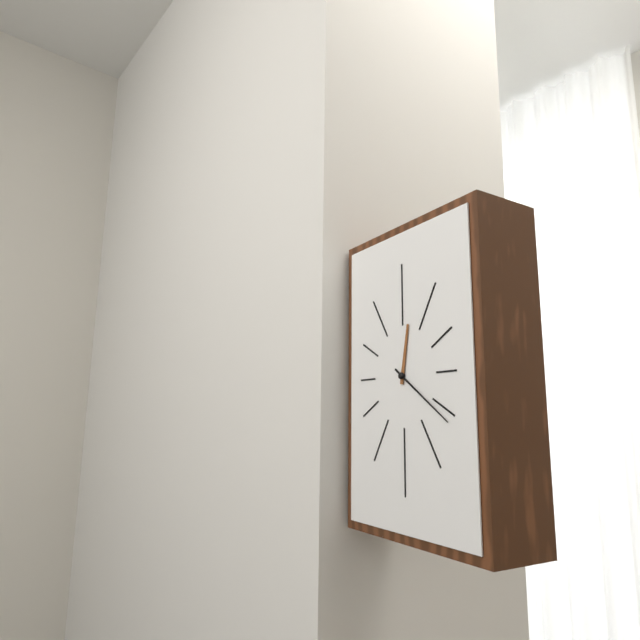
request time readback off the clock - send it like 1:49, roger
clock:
12:21
